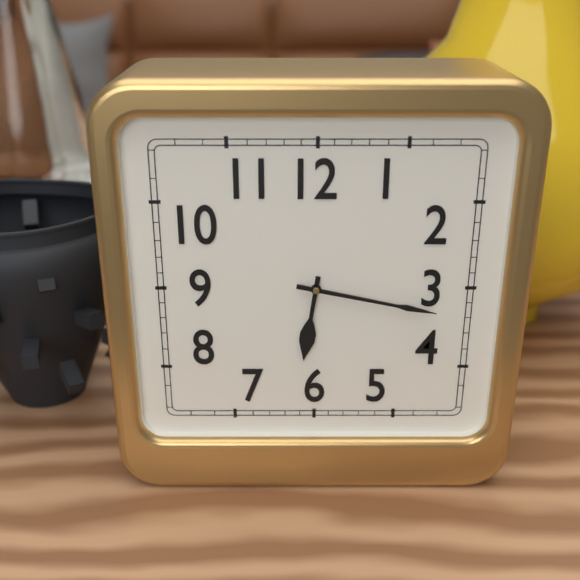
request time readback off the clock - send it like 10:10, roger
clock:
6:17
